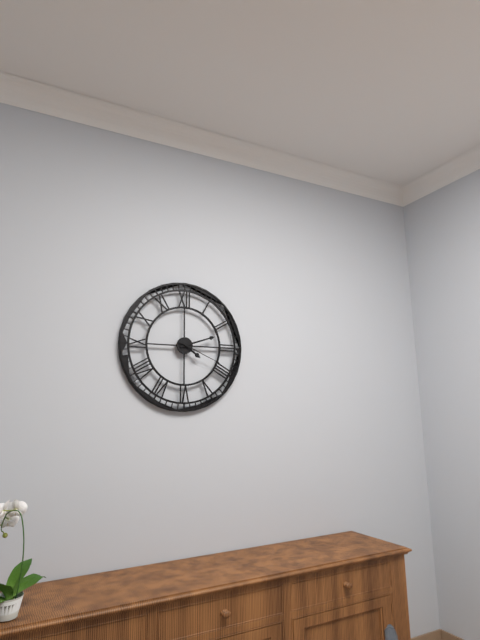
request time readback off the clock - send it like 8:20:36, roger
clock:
4:12:19
